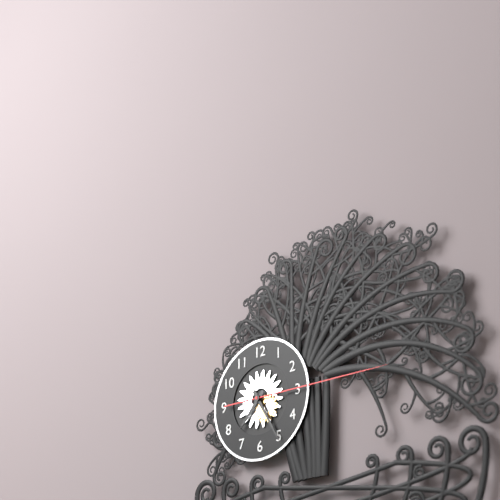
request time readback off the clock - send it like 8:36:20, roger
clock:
7:25:15
